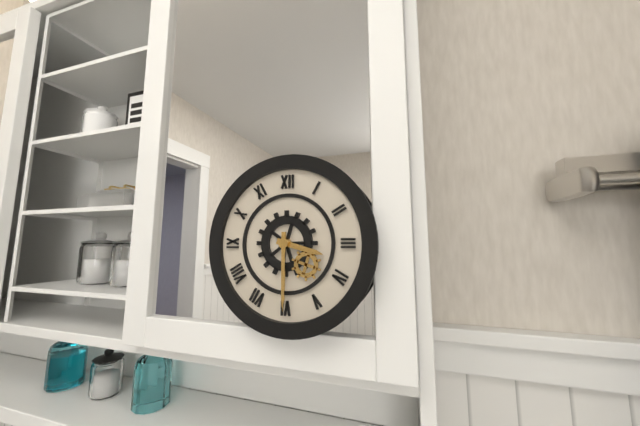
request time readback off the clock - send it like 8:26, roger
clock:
3:30
